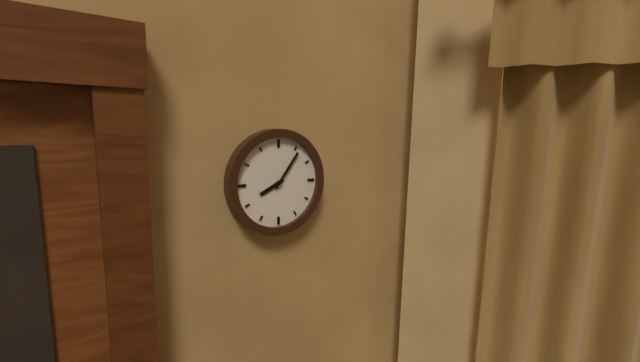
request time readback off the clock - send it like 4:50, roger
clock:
8:06
